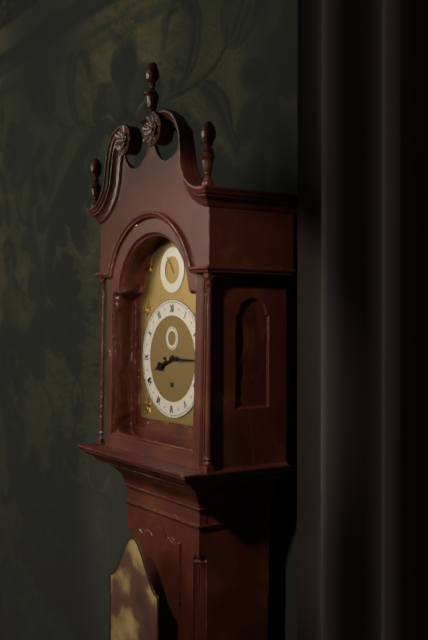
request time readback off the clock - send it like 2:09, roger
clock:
8:15
